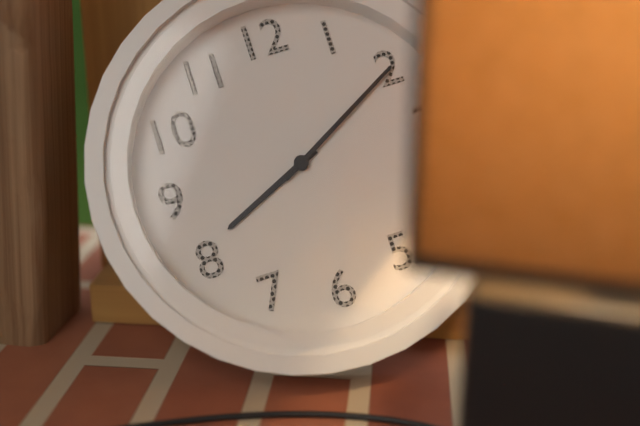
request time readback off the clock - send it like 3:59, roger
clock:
8:10
